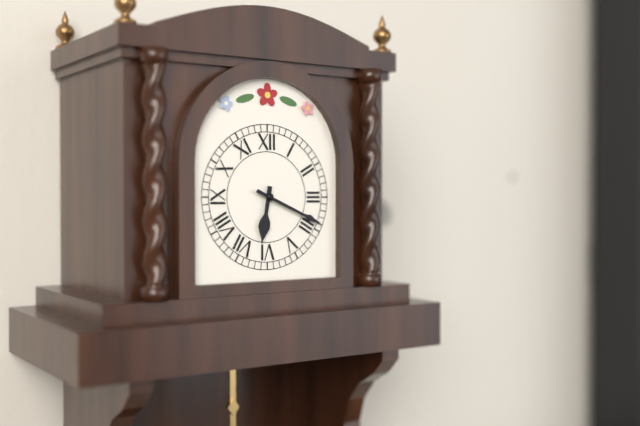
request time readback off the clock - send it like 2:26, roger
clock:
6:19
